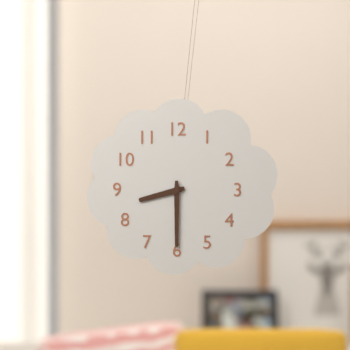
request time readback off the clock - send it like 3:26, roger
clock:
8:30
